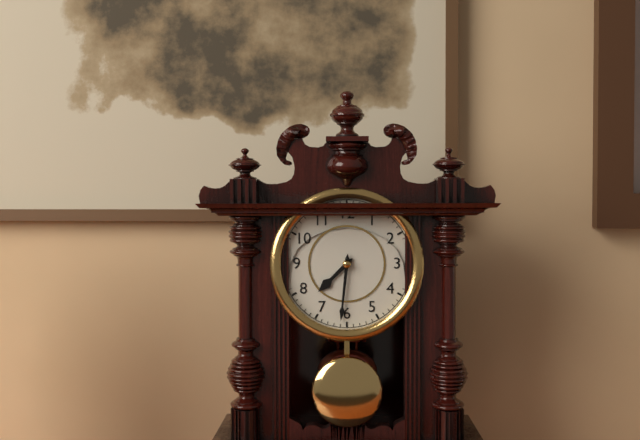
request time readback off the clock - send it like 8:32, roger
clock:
7:31
